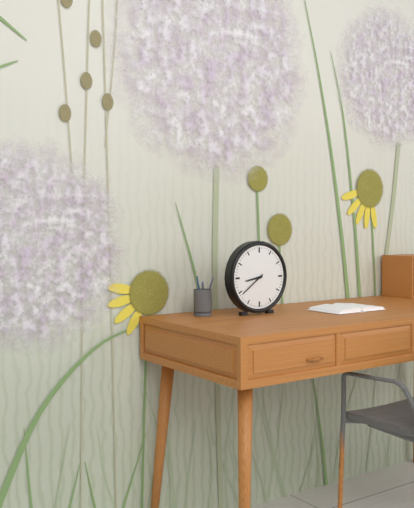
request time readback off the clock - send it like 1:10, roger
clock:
8:39
